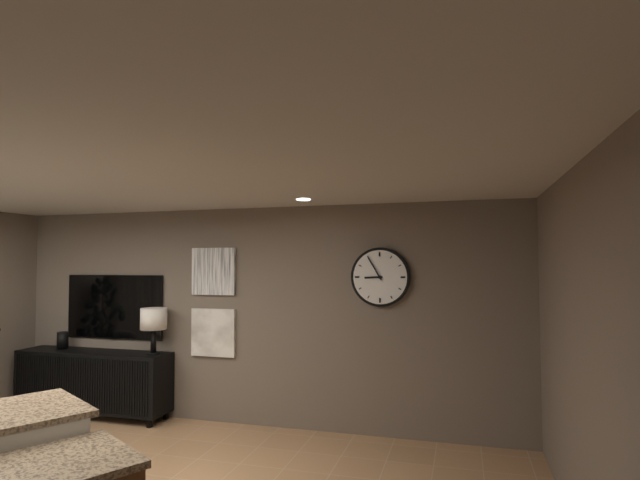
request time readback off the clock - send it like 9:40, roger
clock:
8:55
